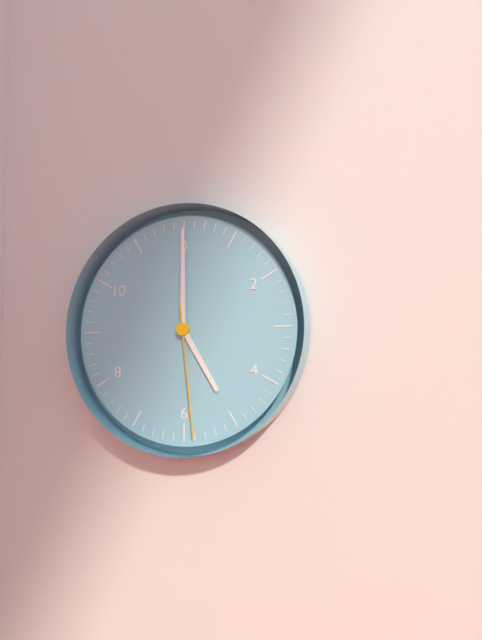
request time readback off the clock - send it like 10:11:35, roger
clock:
5:00:29
